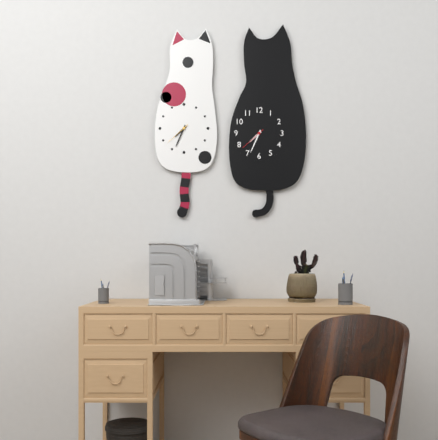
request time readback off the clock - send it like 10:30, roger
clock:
7:34
